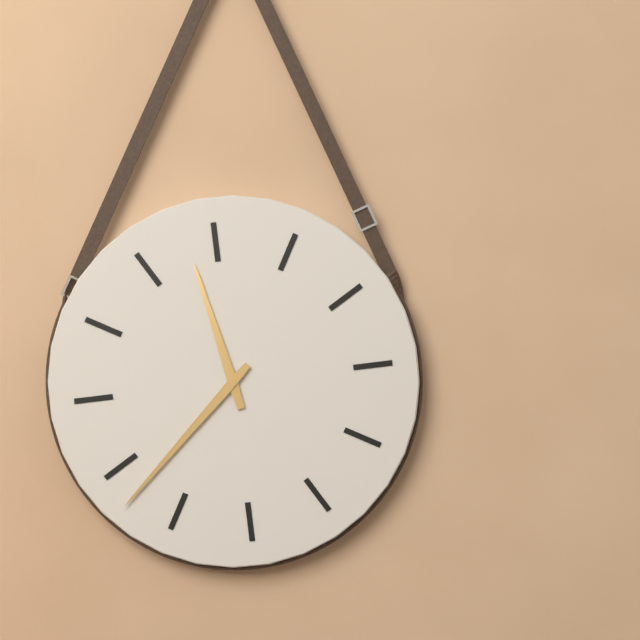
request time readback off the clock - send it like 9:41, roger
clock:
11:38
